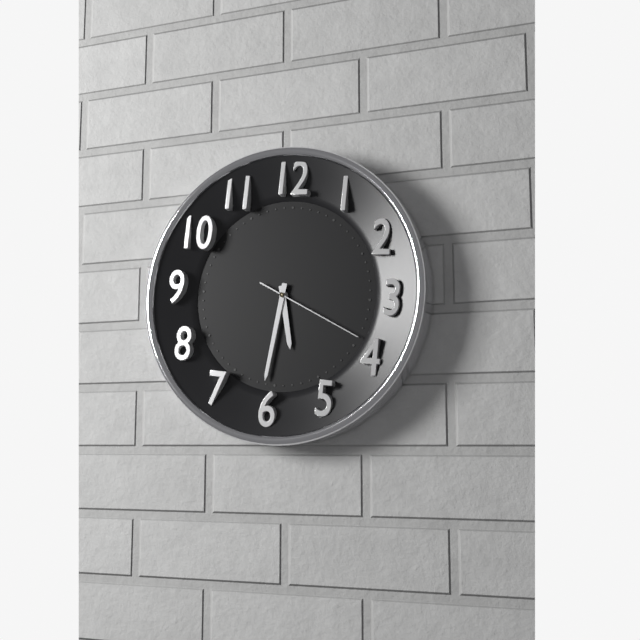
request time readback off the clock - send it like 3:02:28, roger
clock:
5:31:19
